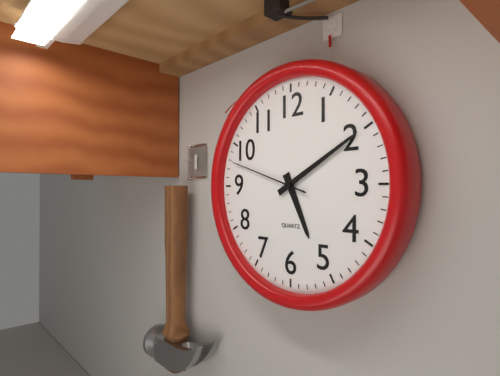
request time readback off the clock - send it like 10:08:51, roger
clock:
5:10:48
